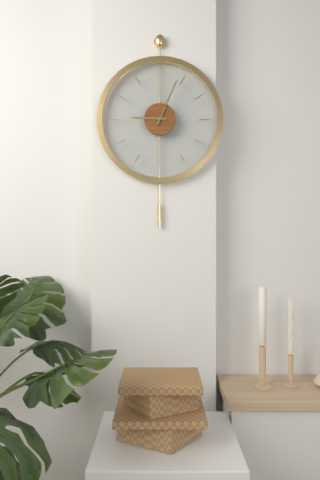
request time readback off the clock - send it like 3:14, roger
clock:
9:04
